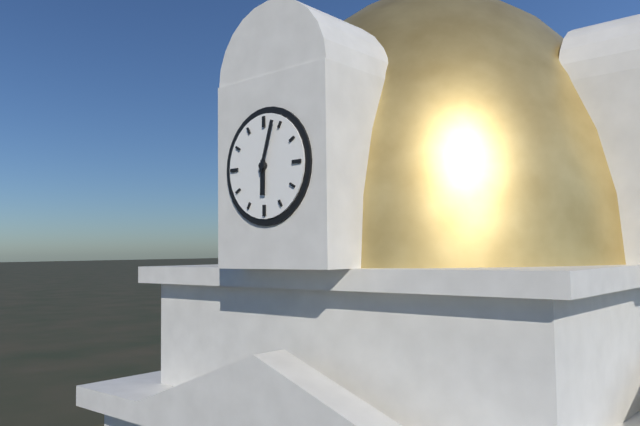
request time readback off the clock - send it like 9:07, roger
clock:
6:03
